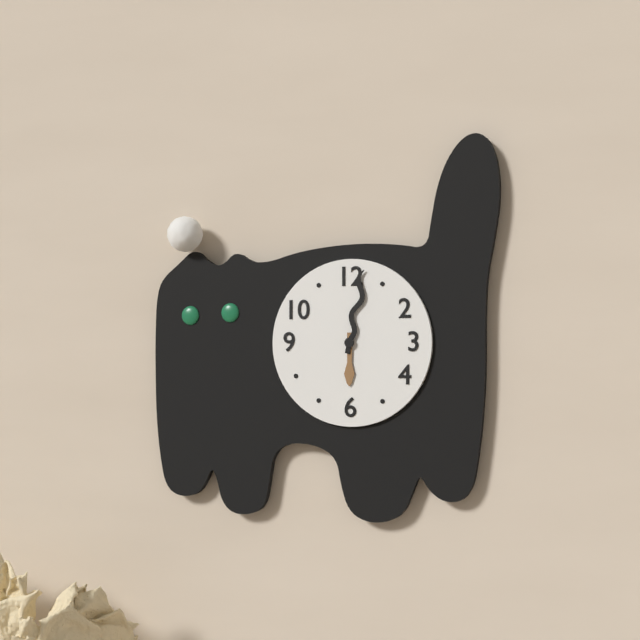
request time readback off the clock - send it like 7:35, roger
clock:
6:02
